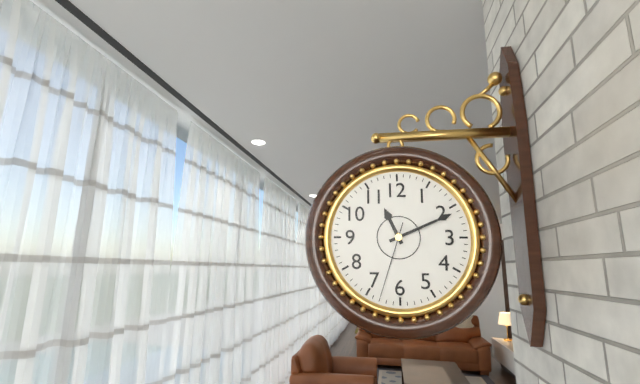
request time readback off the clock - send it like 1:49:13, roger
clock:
11:11:33
